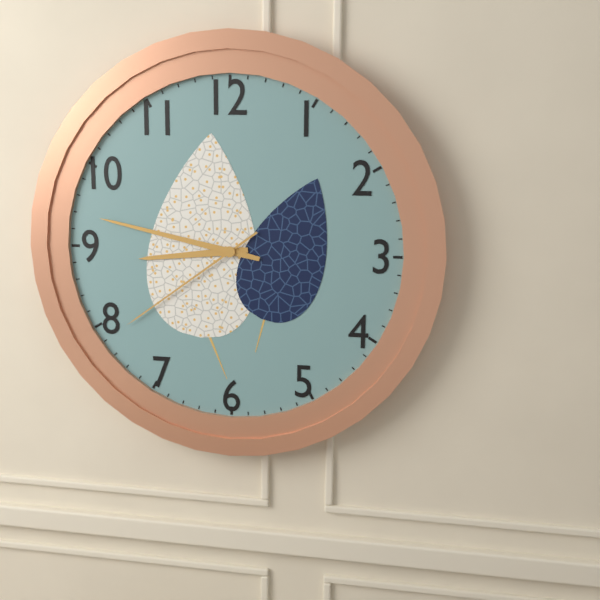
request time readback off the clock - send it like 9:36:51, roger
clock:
8:47:39
